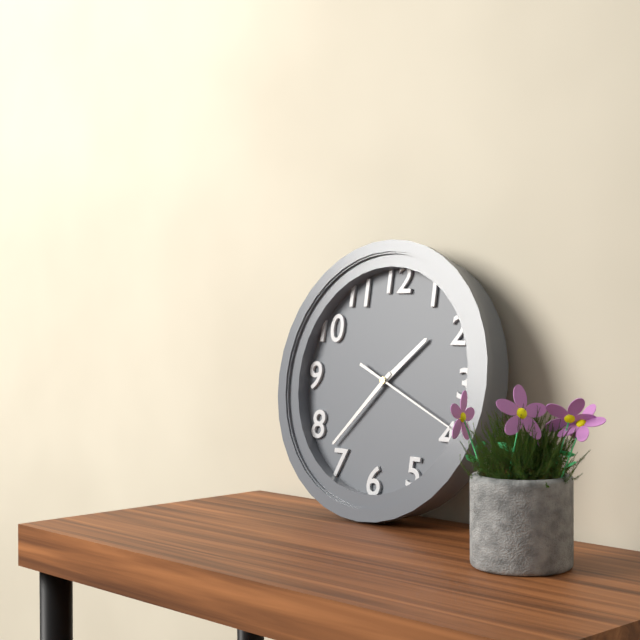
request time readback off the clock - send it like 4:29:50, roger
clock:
1:37:19
